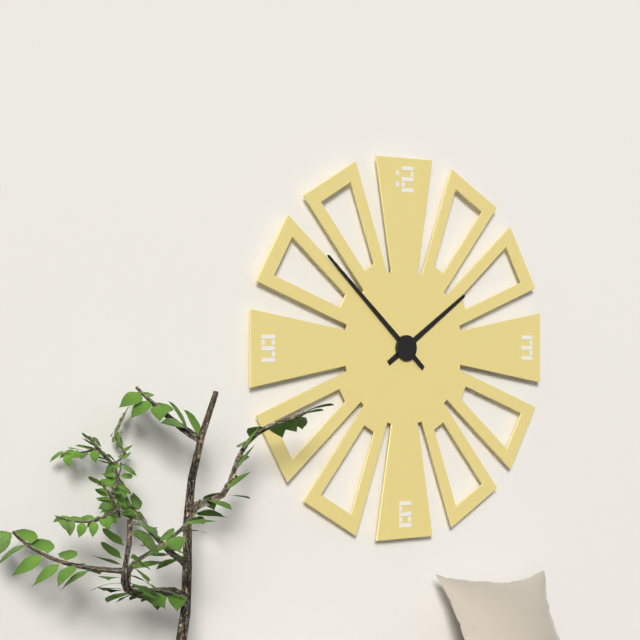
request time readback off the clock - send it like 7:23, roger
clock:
1:52
